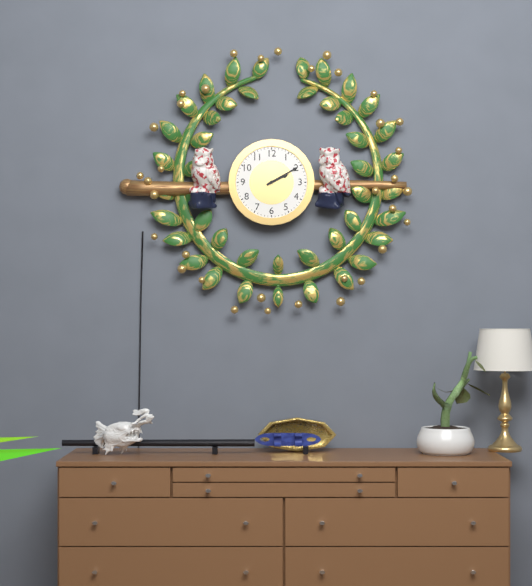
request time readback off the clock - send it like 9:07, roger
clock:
2:10
